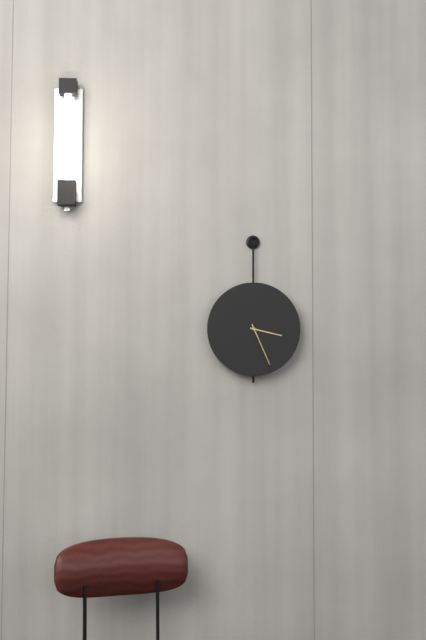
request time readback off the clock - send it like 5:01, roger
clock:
3:26
